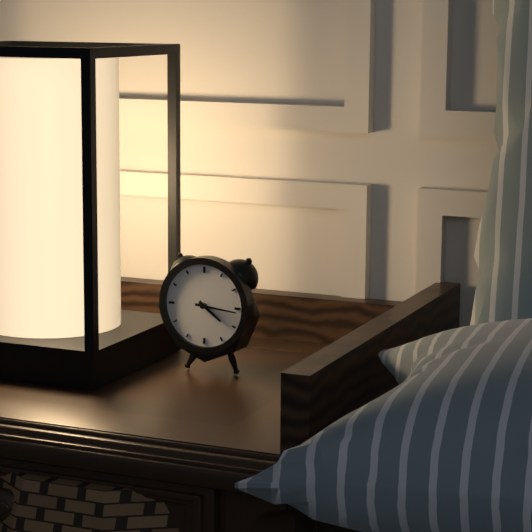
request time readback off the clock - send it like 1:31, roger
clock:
4:16
